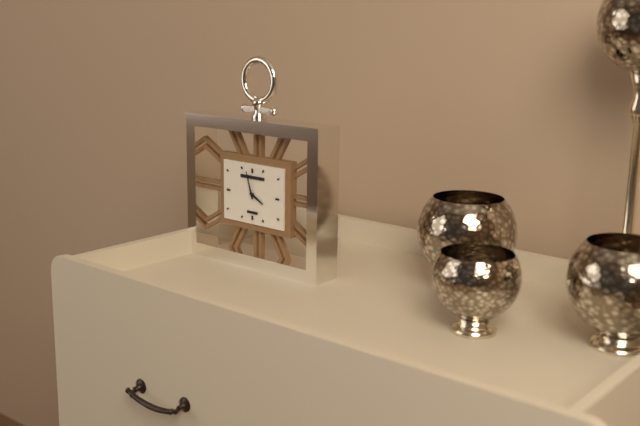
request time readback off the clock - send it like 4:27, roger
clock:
3:57
